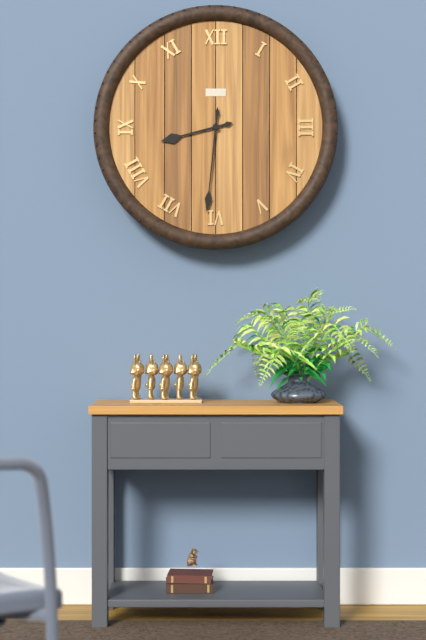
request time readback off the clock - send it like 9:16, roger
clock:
8:31
